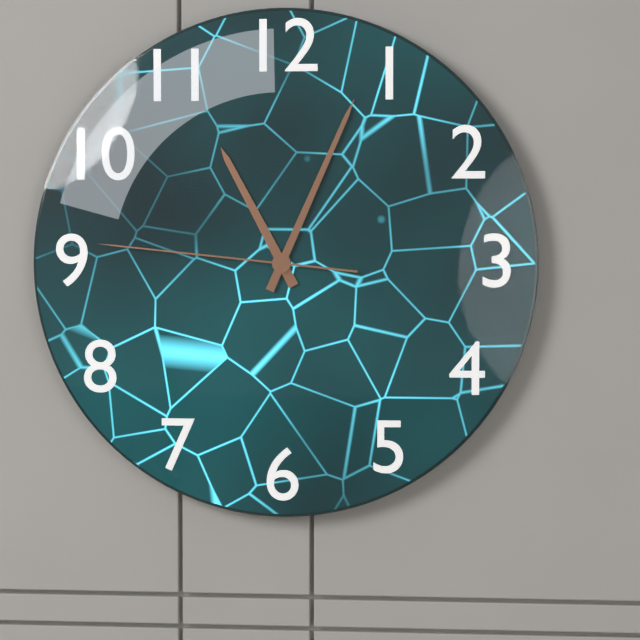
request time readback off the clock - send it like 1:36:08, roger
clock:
11:04:46
